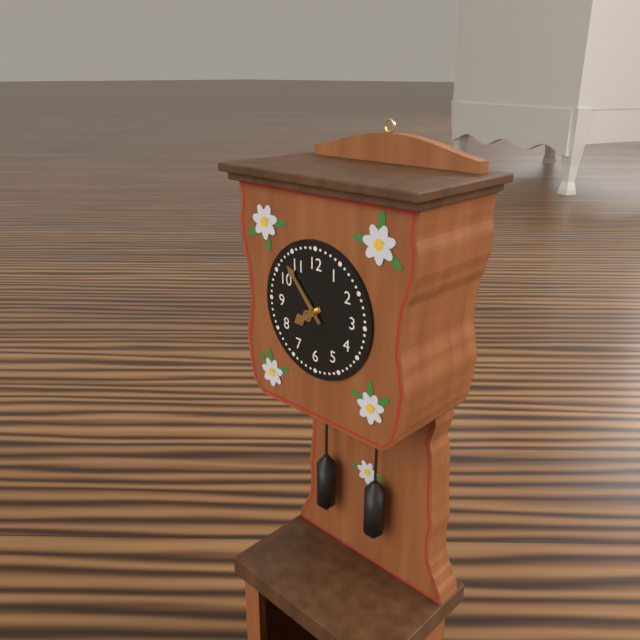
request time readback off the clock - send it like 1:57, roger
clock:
7:53
